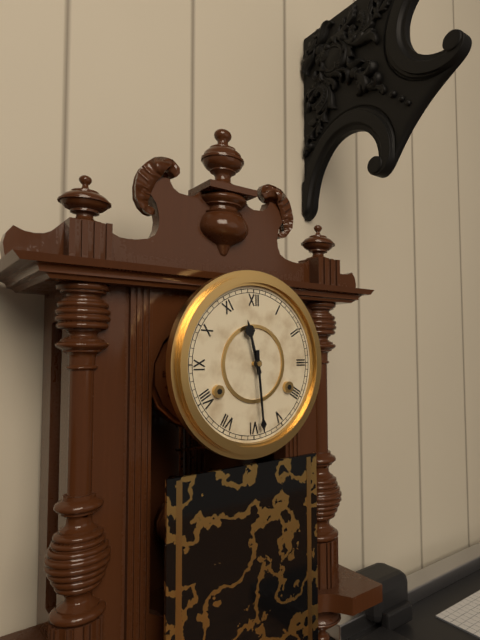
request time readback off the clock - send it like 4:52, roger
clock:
11:29
